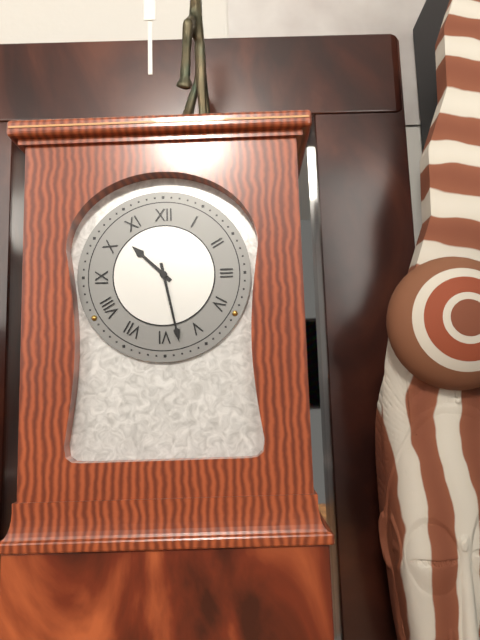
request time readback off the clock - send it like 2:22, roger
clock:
10:28
